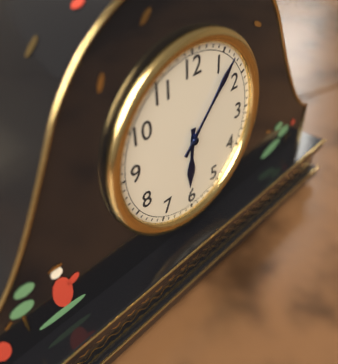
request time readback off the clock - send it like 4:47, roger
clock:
6:07
